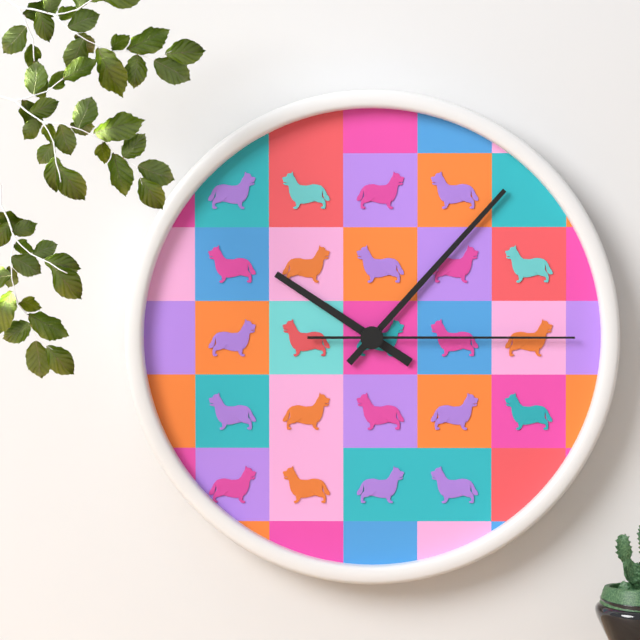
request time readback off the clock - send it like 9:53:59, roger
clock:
10:07:15
